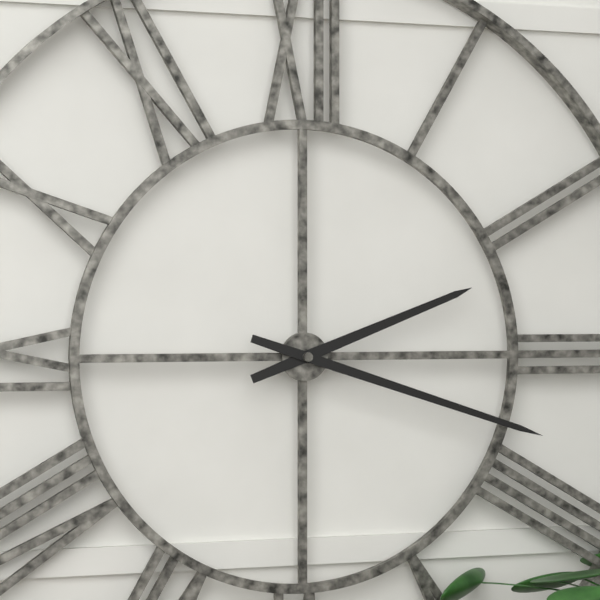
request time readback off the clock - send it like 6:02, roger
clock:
2:18
